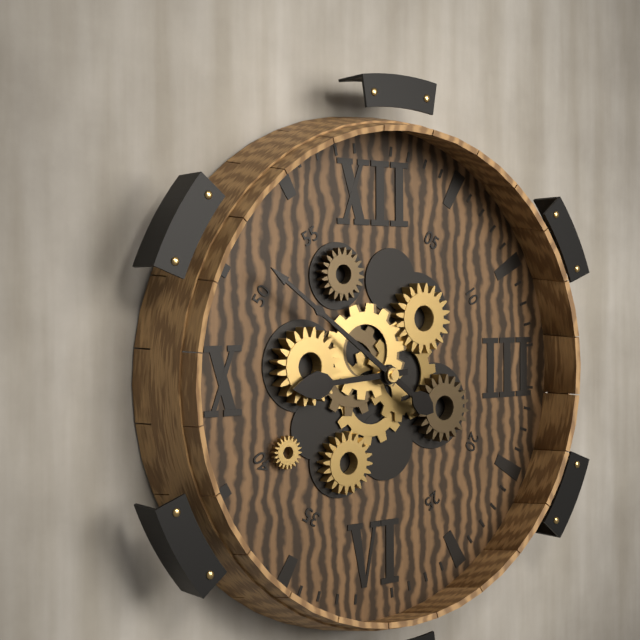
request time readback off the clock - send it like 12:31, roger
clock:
8:51
